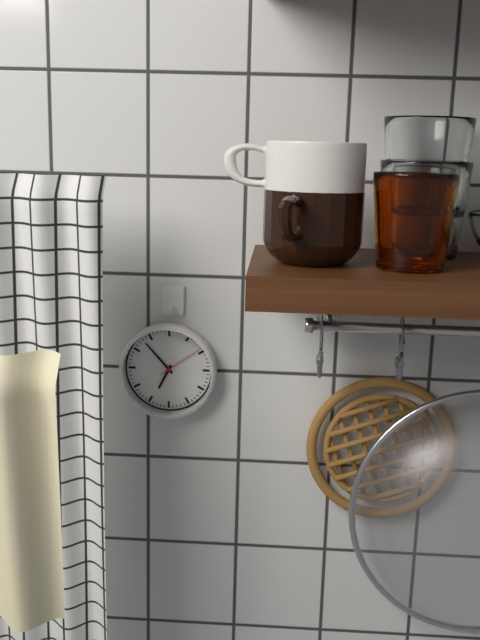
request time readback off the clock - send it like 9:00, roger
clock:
6:53
